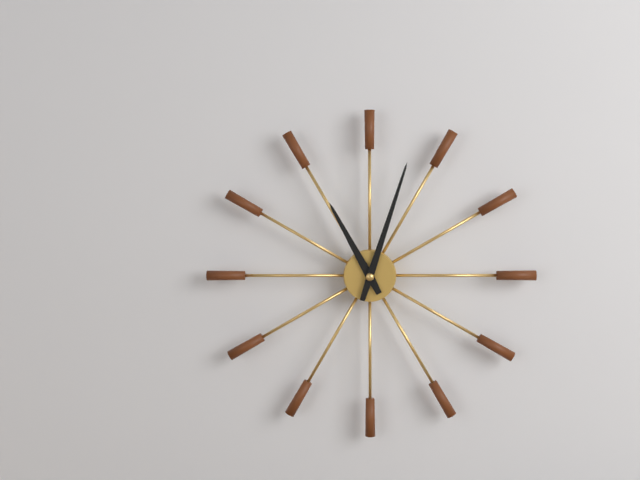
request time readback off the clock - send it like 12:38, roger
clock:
11:03
